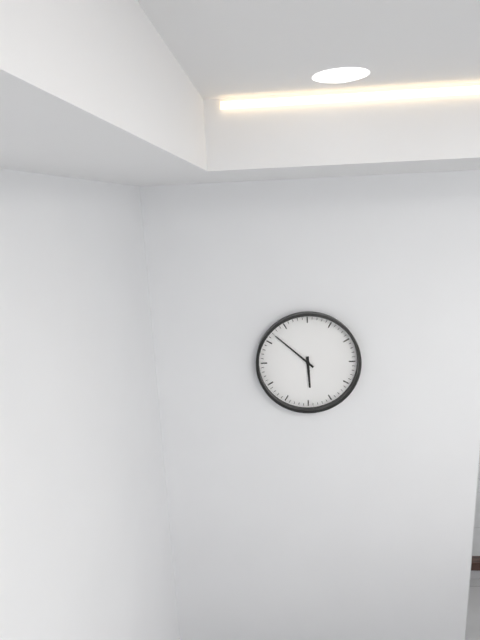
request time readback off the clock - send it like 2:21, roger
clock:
5:52
